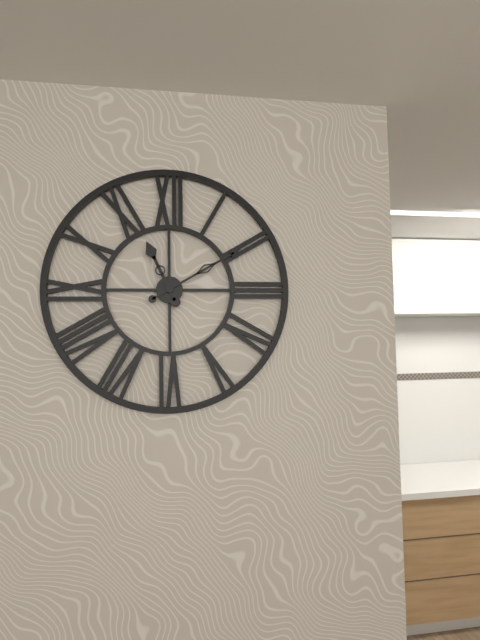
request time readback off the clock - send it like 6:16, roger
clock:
11:10
